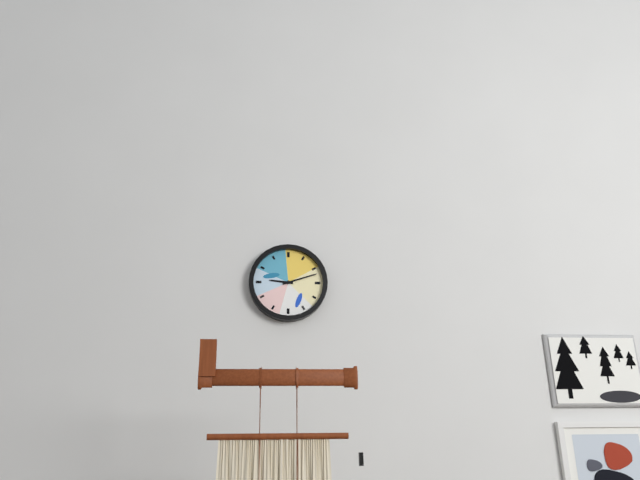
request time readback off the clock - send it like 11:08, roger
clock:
9:12
